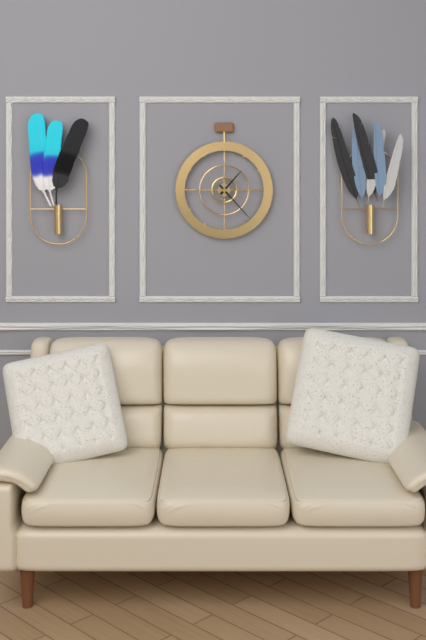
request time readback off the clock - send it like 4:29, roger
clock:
1:23
